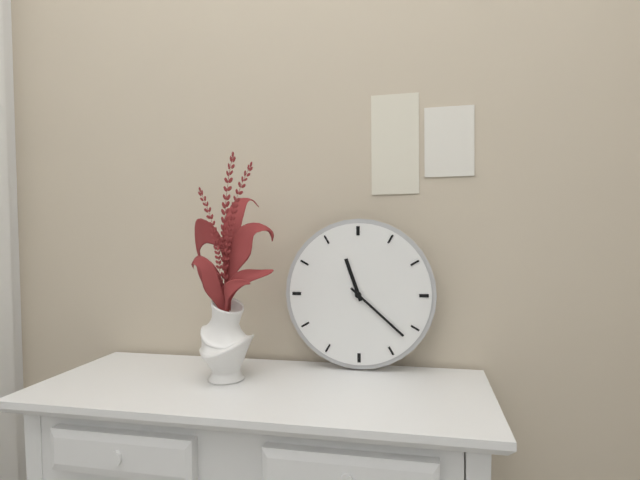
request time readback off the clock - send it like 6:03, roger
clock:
11:22
